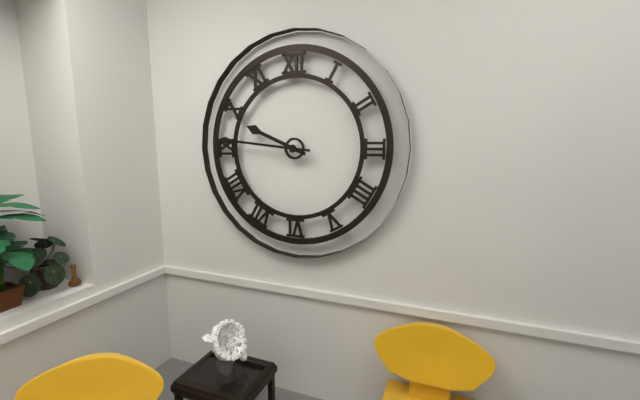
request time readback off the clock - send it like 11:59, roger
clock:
9:46
